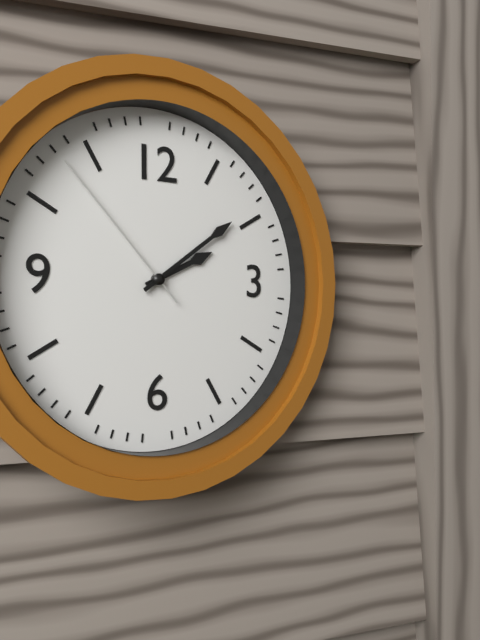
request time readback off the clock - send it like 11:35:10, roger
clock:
2:09:53
